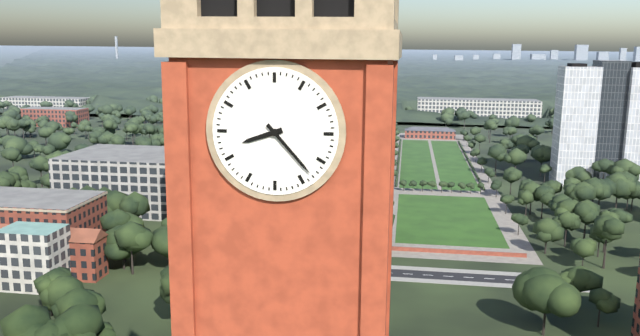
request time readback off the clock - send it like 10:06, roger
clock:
8:23
